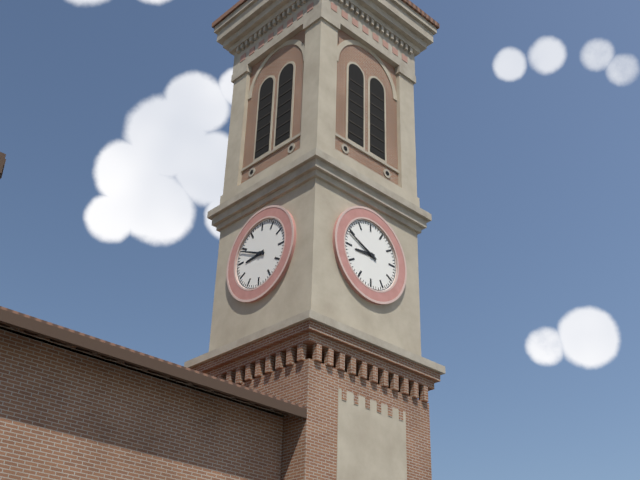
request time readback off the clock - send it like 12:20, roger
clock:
8:49
